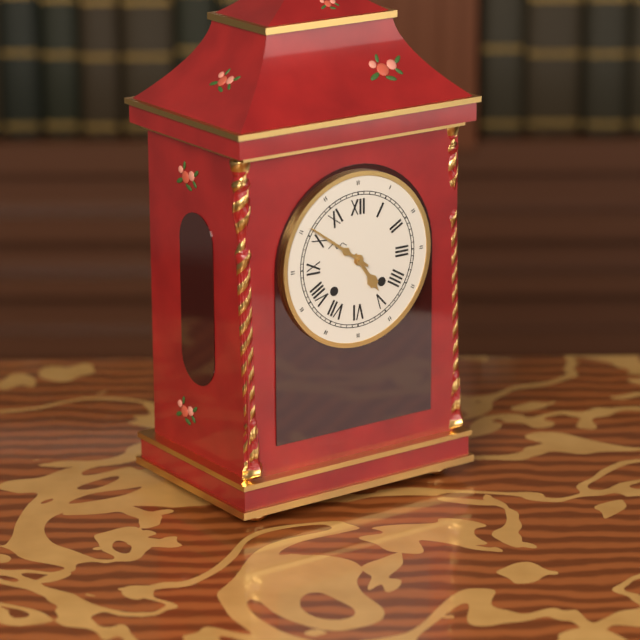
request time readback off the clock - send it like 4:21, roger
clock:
4:51
